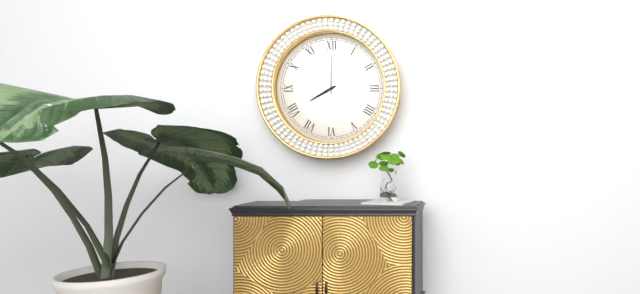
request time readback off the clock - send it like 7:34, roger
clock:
8:00
